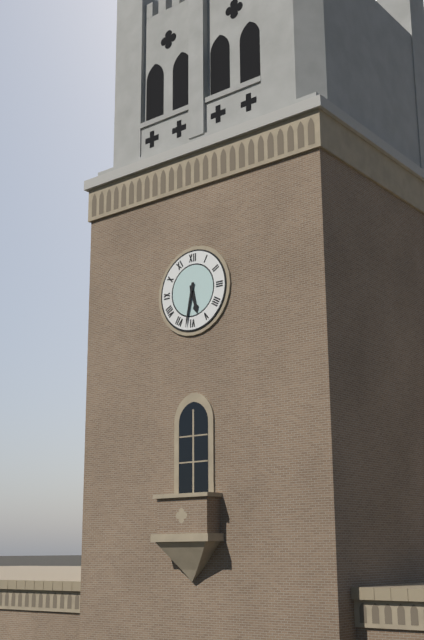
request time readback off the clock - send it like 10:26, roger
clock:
5:32
